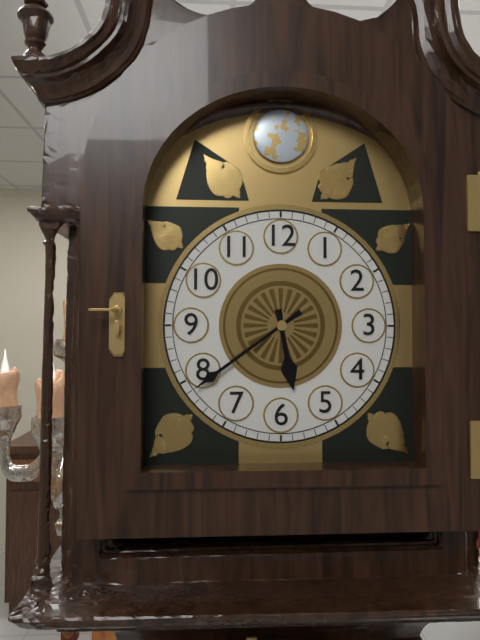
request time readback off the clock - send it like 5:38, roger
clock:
5:39
